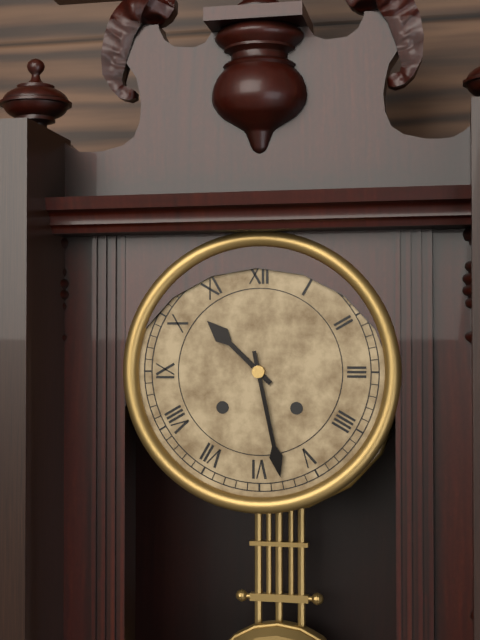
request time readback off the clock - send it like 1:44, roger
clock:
10:28
